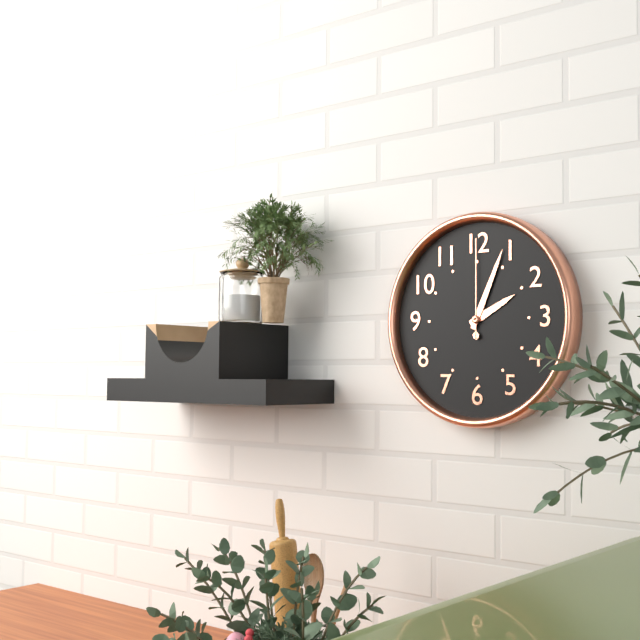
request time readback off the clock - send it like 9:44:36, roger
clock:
2:04:00
